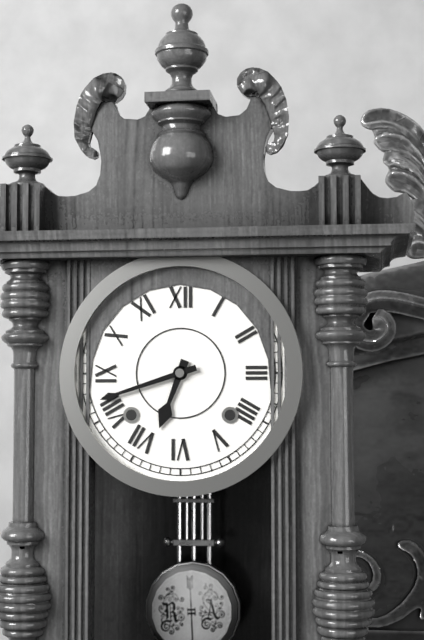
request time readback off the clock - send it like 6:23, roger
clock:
6:42
